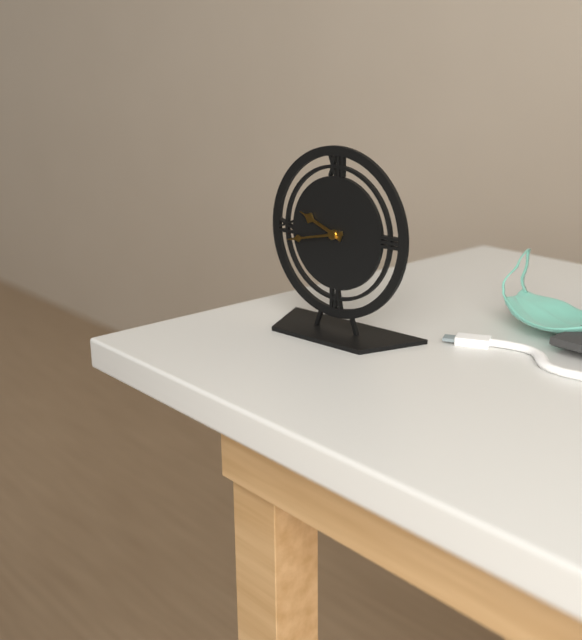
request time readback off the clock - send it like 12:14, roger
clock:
9:43
